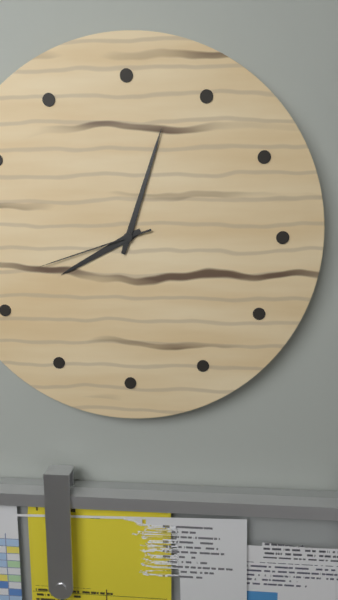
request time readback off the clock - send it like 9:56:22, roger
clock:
8:03:42
